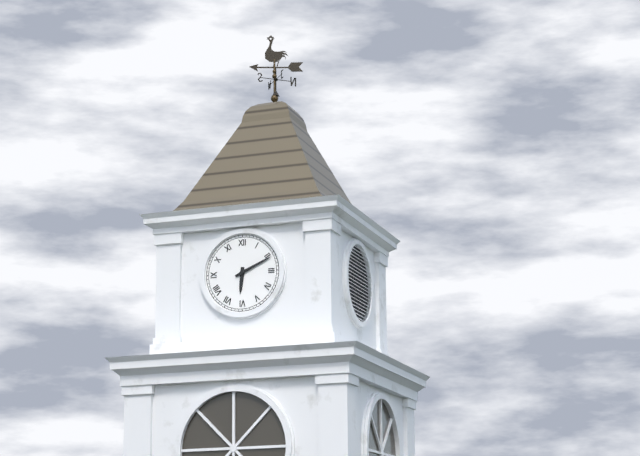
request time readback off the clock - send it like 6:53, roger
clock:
6:11
